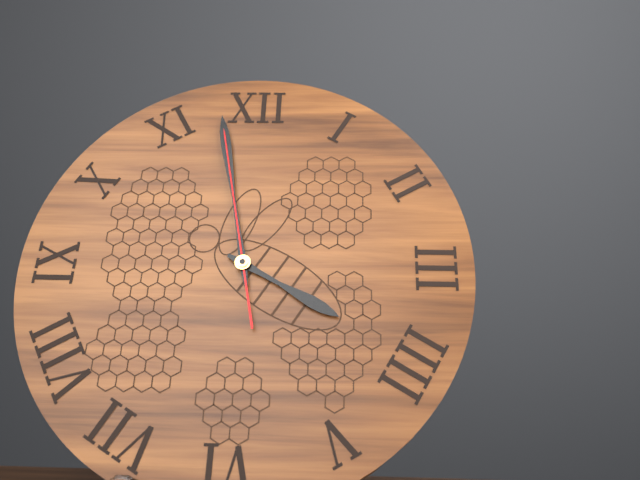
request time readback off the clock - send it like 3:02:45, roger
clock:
3:58:58
